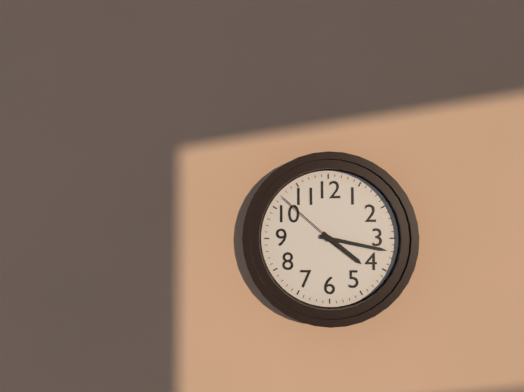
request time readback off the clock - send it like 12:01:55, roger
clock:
4:17:52
